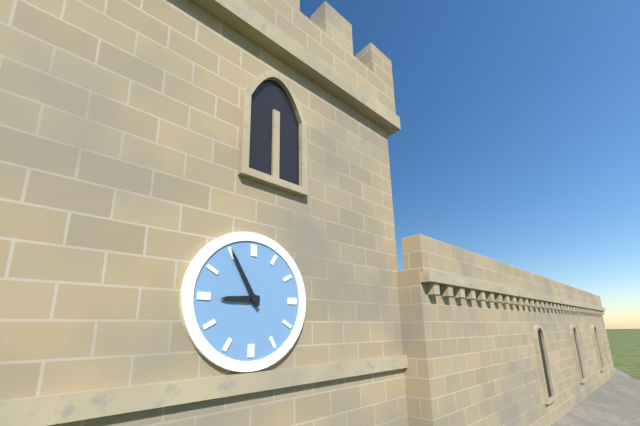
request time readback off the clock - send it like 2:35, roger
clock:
8:55
